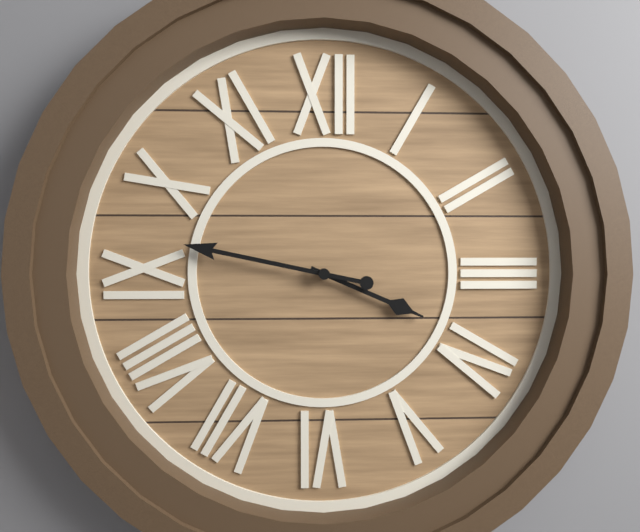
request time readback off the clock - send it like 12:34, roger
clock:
3:47
